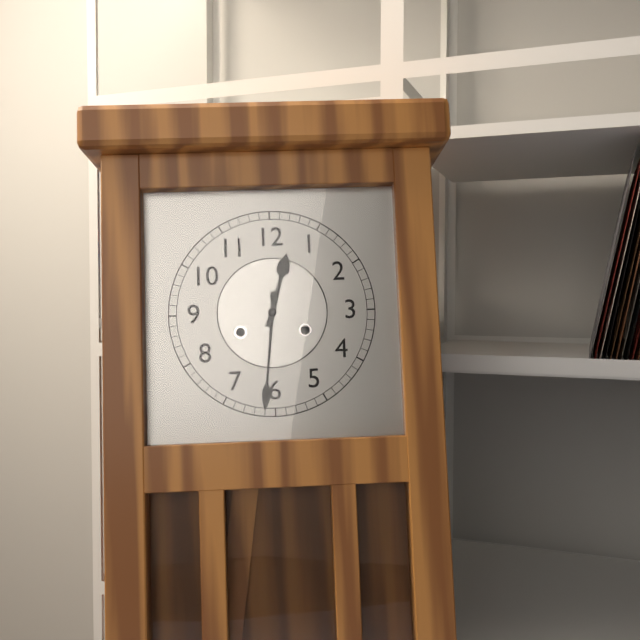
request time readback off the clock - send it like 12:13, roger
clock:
12:31
